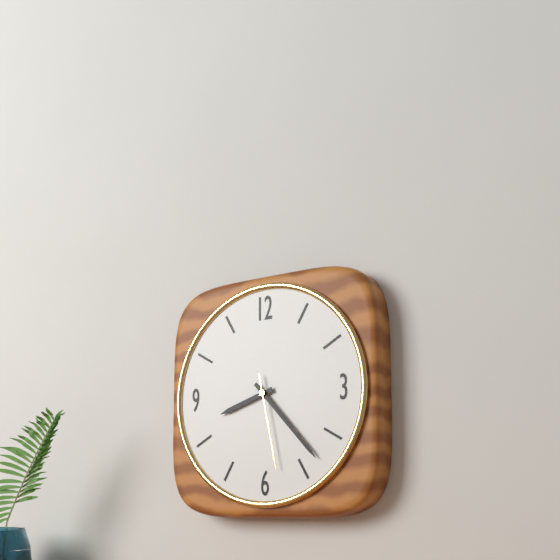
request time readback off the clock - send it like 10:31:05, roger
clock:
8:23:28
